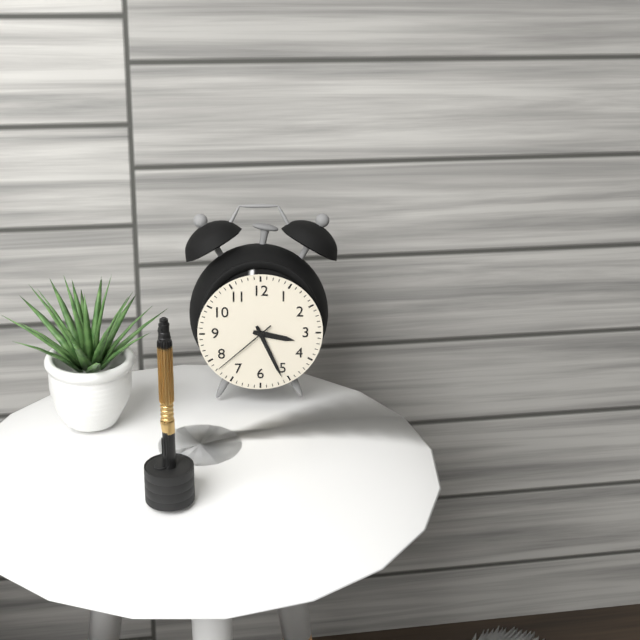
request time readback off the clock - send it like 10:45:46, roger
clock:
3:26:38
